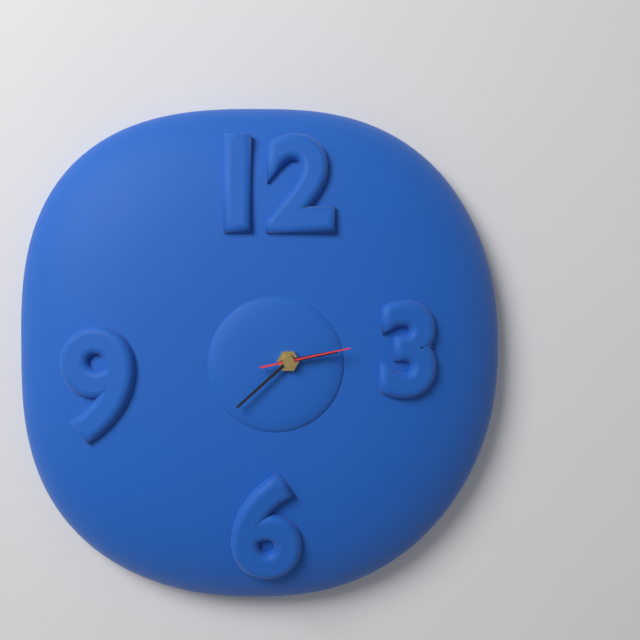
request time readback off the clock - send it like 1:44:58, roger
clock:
2:38:13
